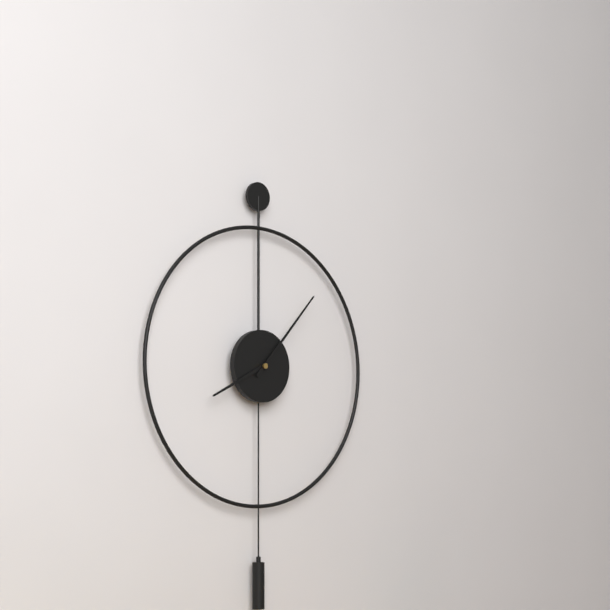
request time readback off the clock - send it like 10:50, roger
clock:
8:07
